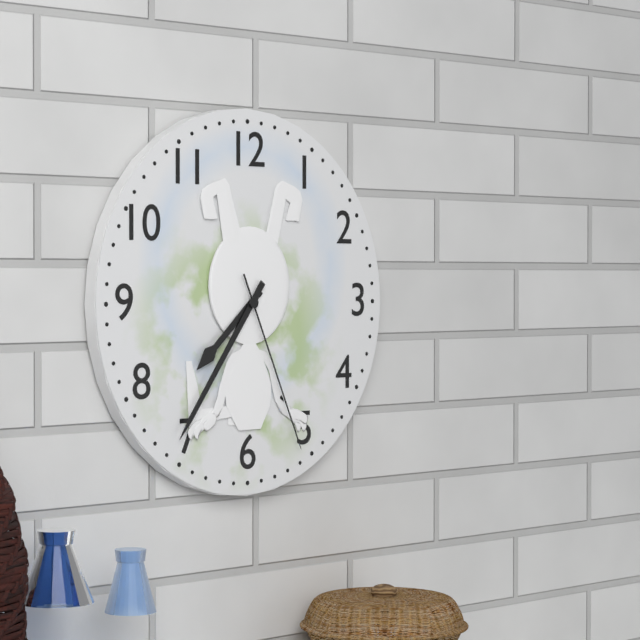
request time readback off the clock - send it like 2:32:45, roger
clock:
7:36:26
